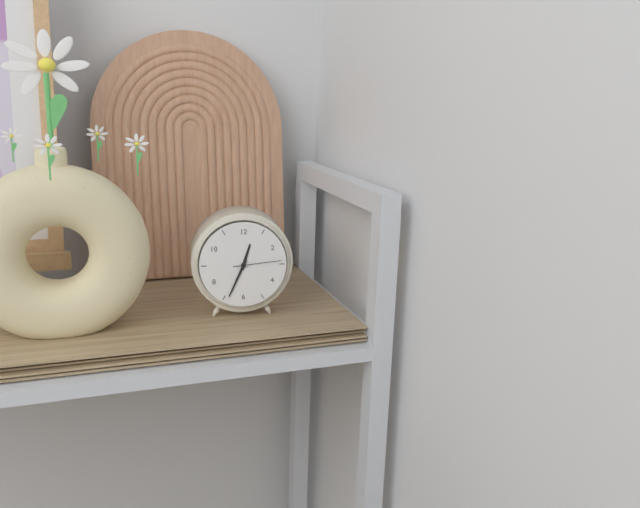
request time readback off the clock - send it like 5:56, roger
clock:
12:34
